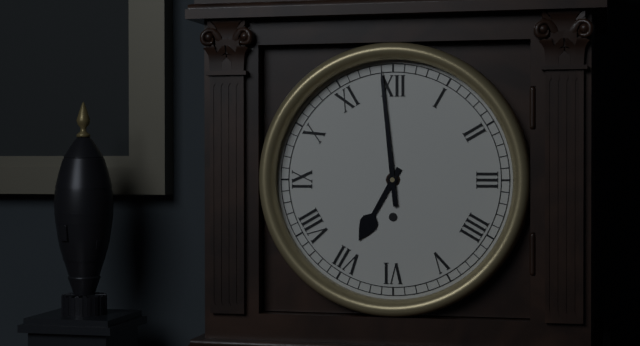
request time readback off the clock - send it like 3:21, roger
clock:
6:59
